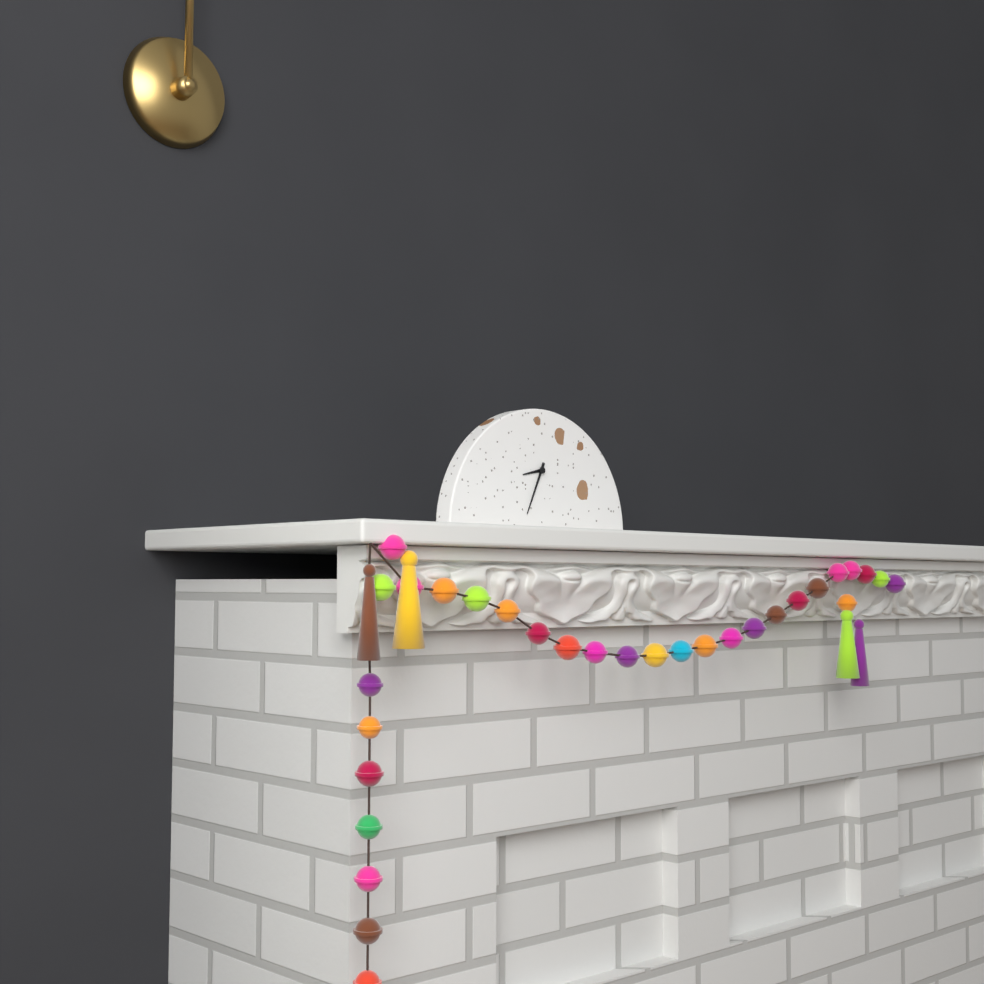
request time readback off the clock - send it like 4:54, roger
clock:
8:34
